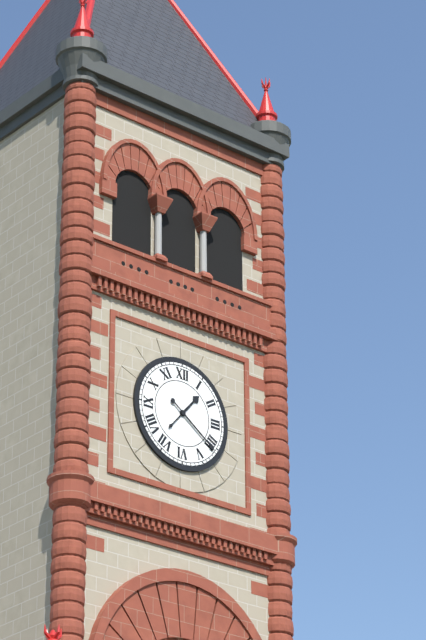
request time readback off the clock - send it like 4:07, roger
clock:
1:21
